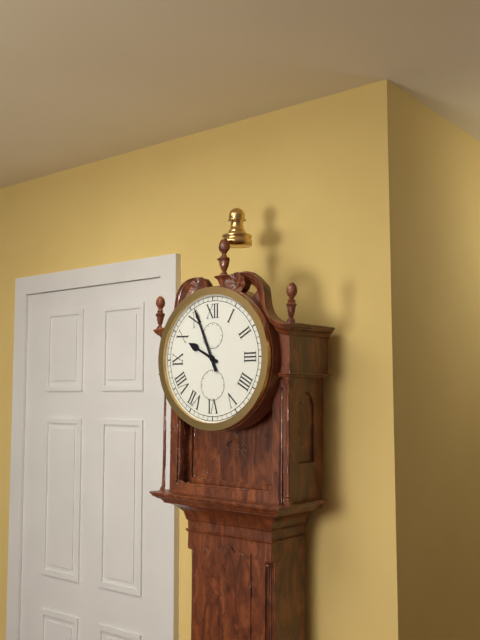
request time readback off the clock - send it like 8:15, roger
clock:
9:56
